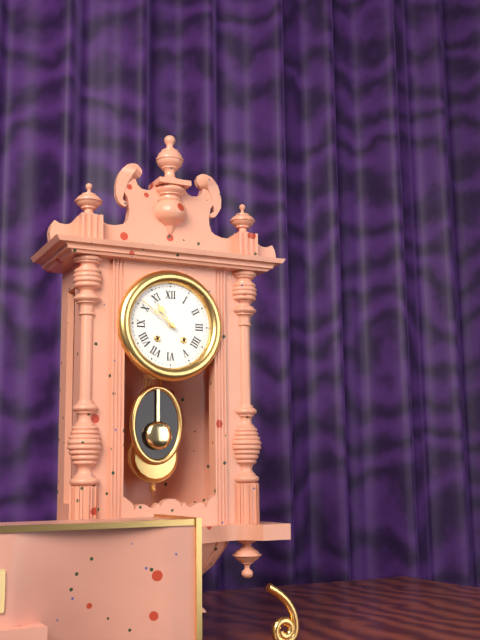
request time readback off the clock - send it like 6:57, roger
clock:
10:51
